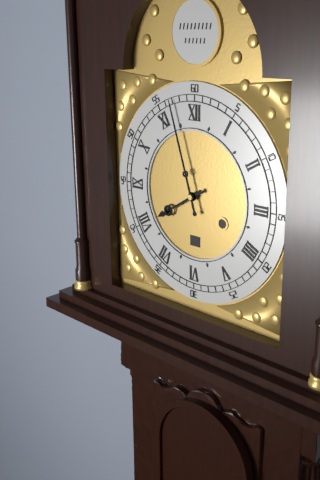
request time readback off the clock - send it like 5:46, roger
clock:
7:57
